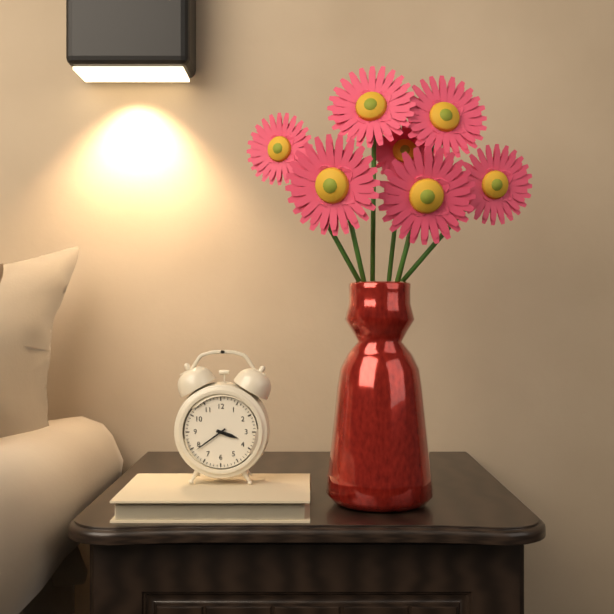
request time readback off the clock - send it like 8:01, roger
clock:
3:39
